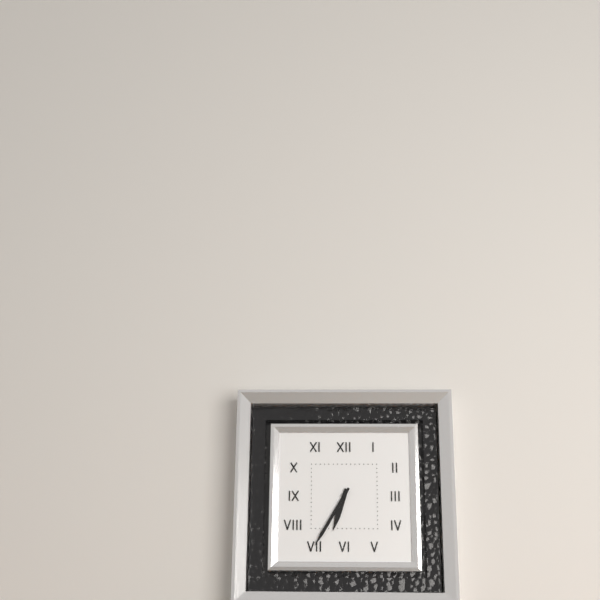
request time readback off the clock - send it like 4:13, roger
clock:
6:35
